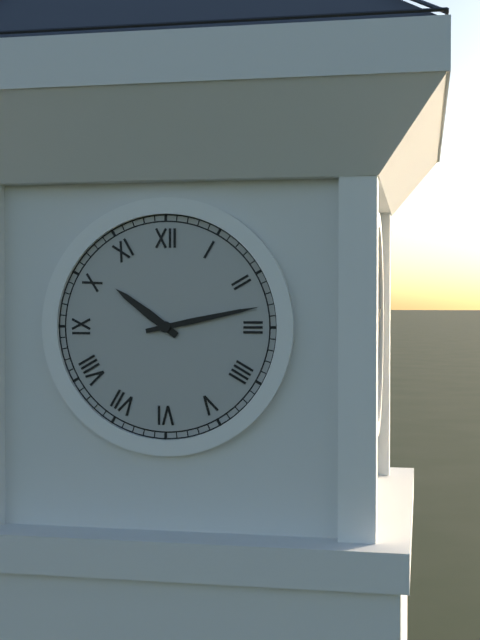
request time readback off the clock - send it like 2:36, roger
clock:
10:13
